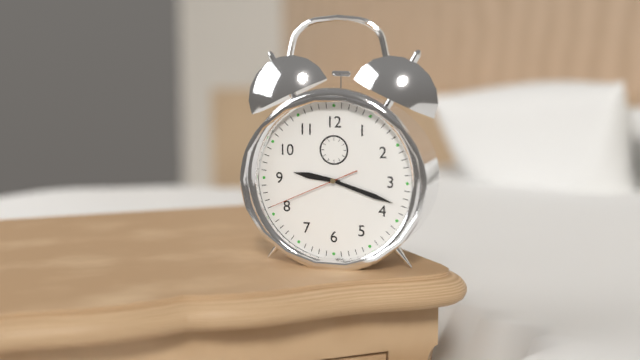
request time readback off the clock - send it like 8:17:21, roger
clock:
9:18:41
